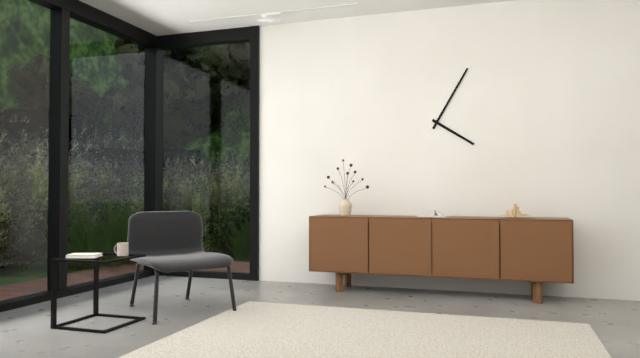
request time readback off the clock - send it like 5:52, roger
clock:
4:05
